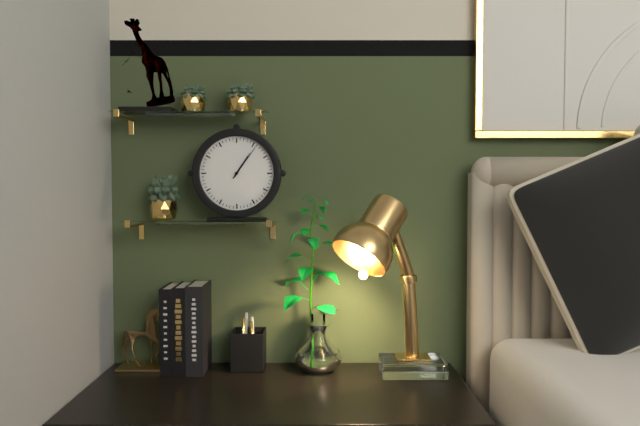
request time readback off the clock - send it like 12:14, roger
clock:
1:06
